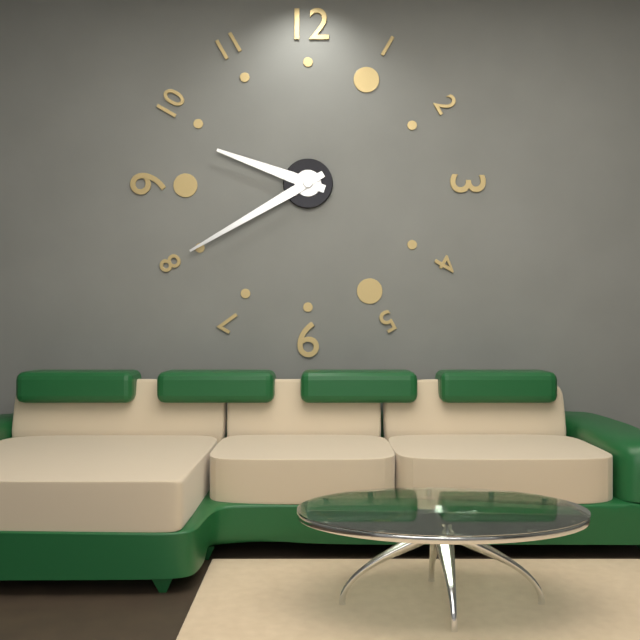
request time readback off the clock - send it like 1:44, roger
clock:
9:40
